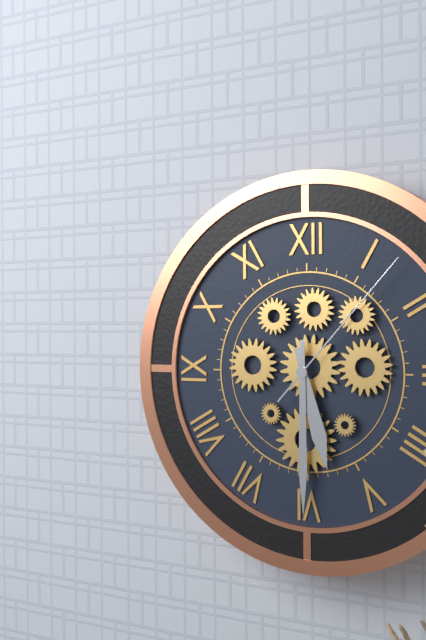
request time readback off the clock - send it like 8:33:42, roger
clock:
5:30:07
